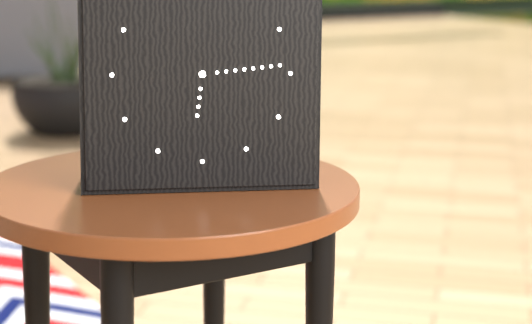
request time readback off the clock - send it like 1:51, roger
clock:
6:14
